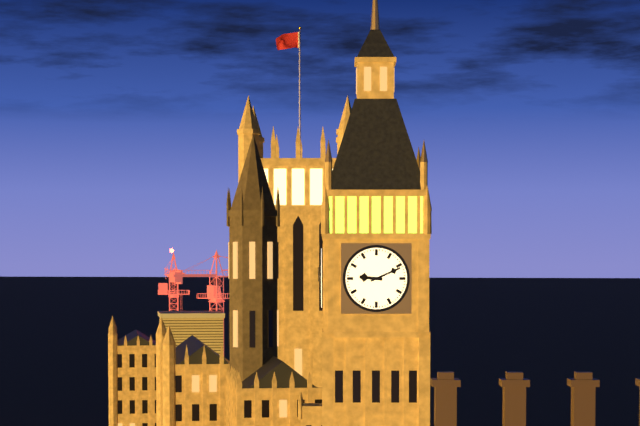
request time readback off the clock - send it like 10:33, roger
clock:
9:11
